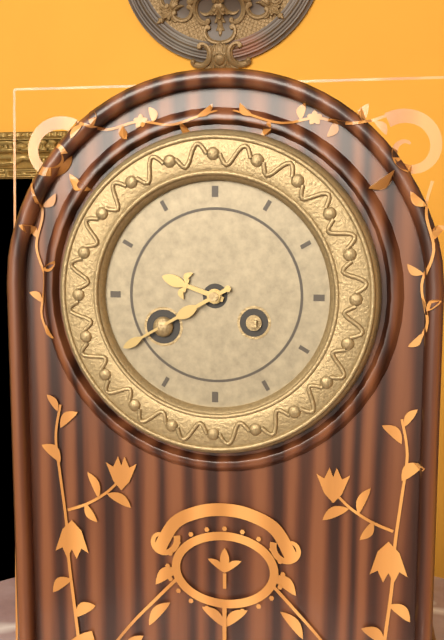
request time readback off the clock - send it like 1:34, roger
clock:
9:40
